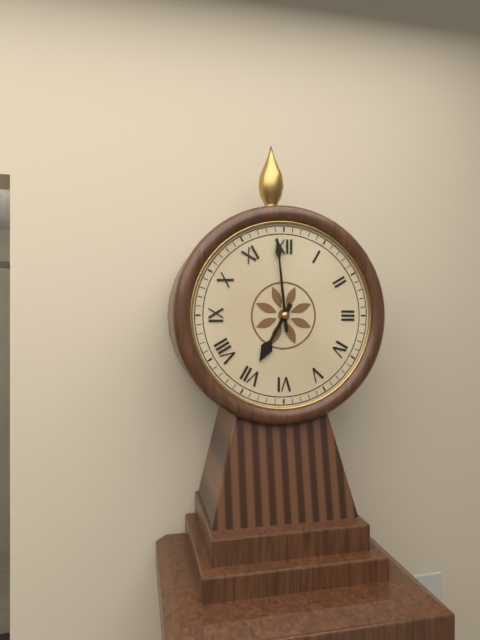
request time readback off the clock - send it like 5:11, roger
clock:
6:59
